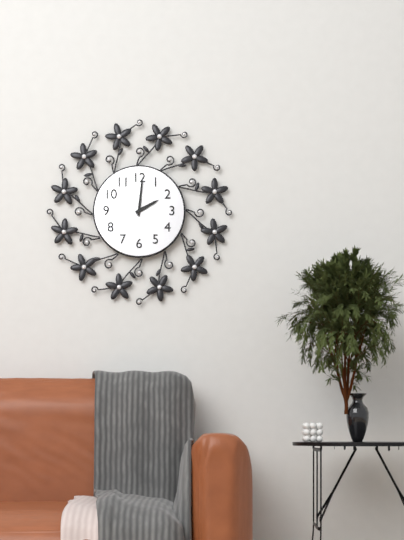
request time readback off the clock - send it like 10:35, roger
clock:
2:01
